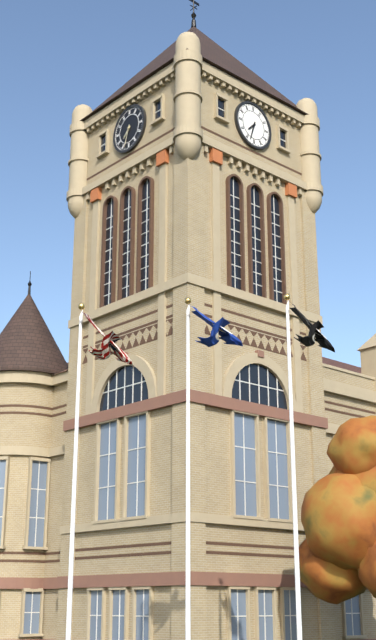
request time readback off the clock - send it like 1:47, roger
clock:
7:33
